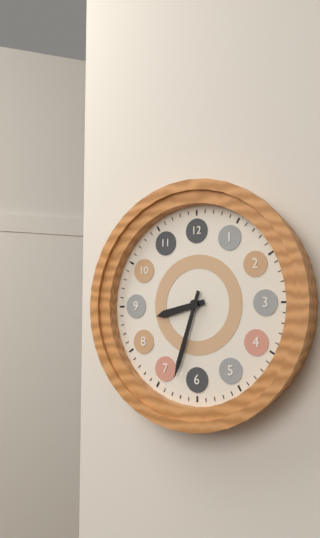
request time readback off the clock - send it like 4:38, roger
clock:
8:33
